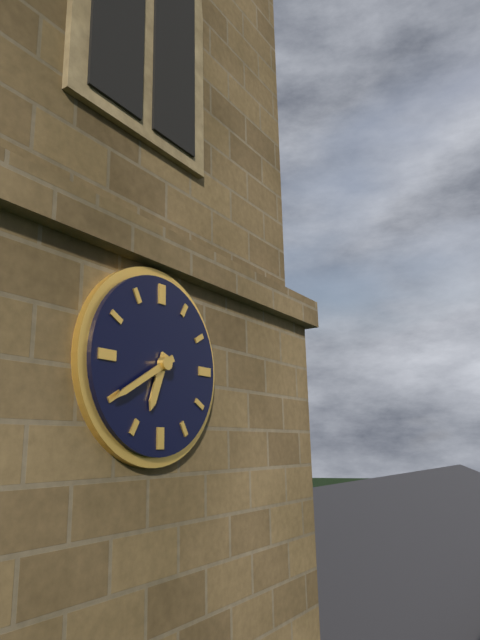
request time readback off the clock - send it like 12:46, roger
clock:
6:40
